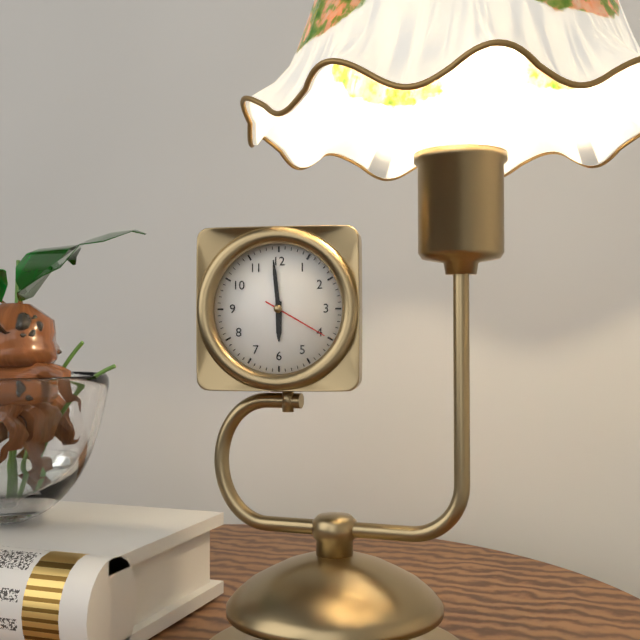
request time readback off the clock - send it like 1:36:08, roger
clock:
5:59:20
